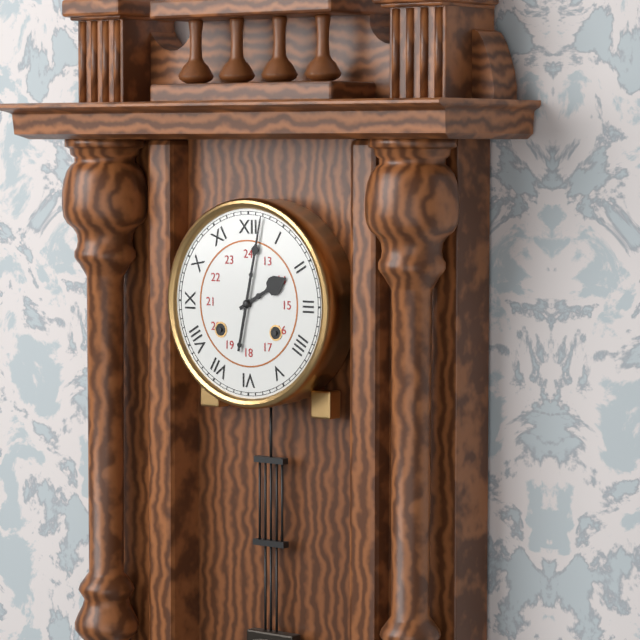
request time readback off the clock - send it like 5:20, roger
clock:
2:02
